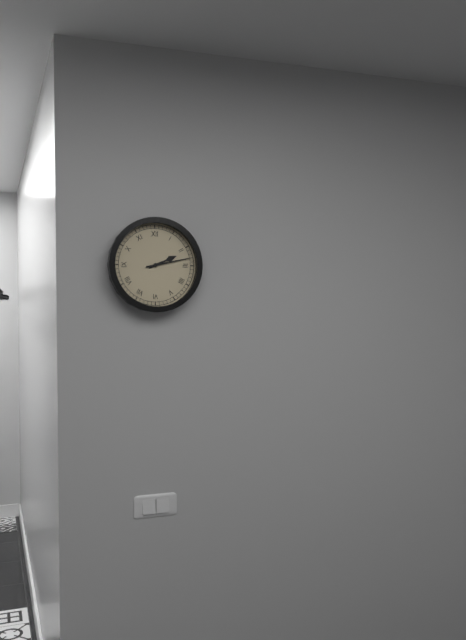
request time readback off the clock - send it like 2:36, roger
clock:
2:13
